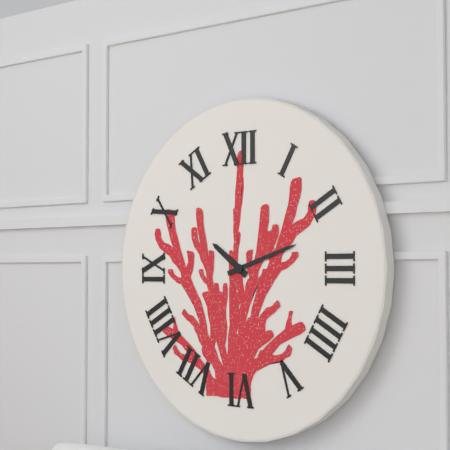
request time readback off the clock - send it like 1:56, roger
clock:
10:12
